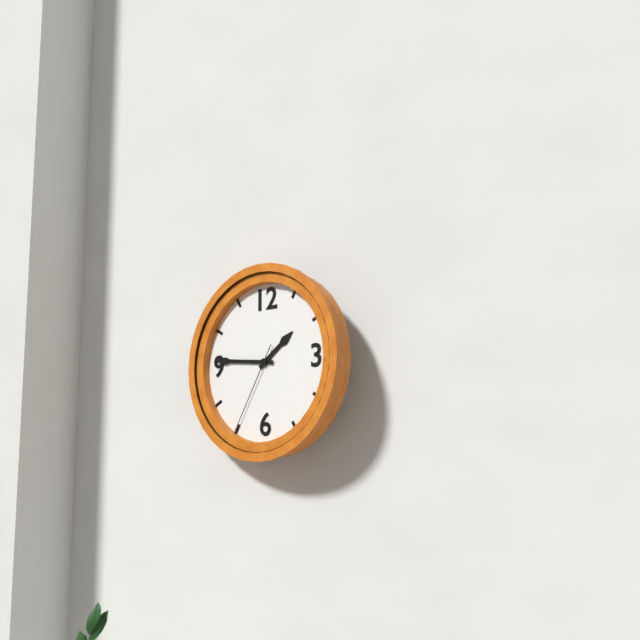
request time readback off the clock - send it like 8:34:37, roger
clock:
1:46:35
